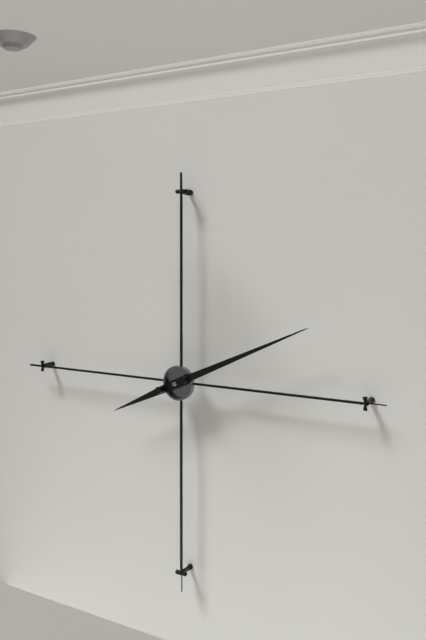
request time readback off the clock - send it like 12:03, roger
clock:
8:11
